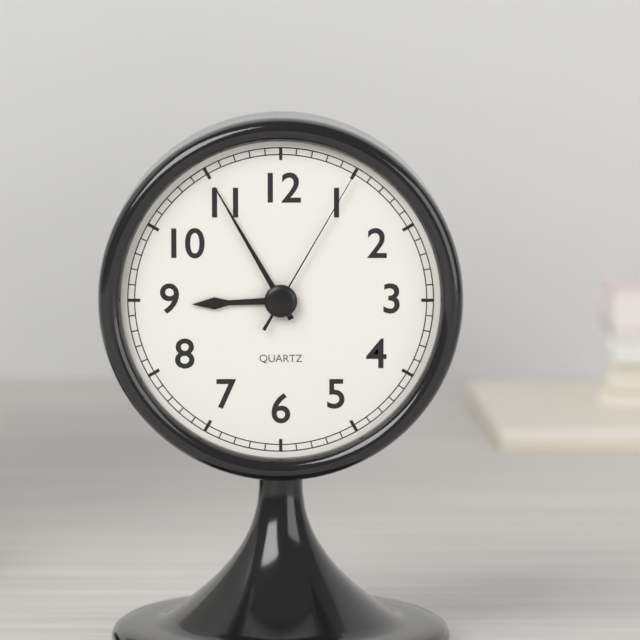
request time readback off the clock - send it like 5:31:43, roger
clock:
8:55:05
